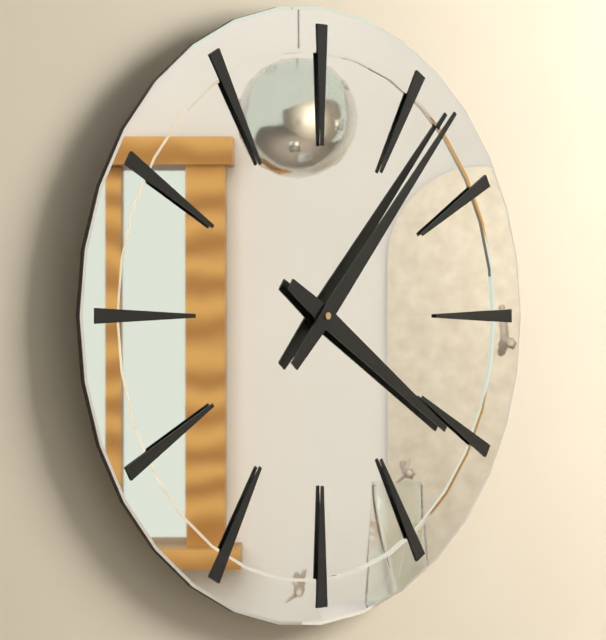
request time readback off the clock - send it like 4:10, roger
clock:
4:07
